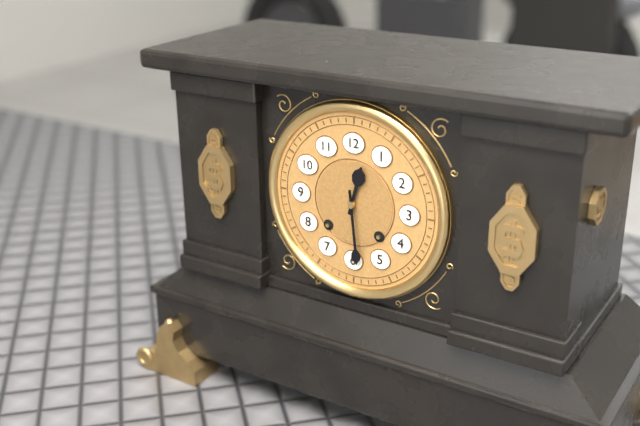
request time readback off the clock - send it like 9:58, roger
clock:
12:29
